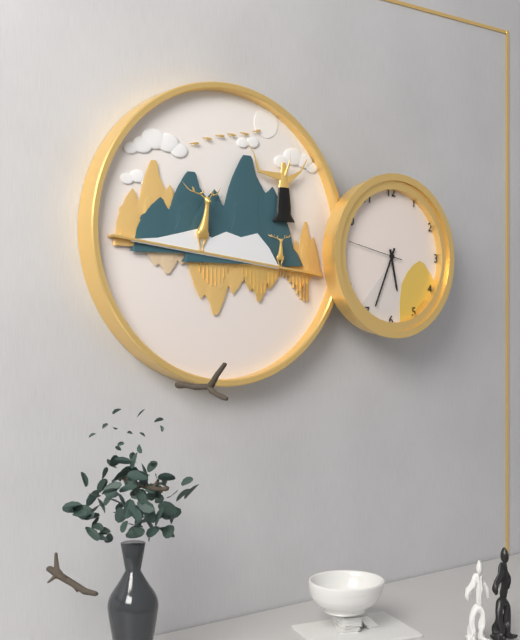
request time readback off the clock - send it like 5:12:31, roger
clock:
5:34:47
